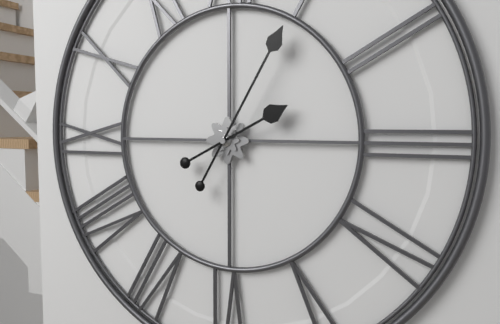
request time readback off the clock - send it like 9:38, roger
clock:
2:05
